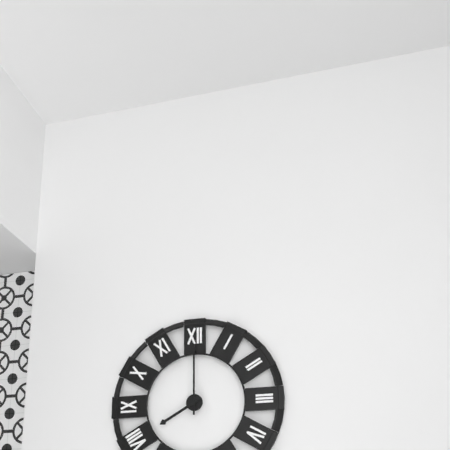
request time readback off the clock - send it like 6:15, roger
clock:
8:00
